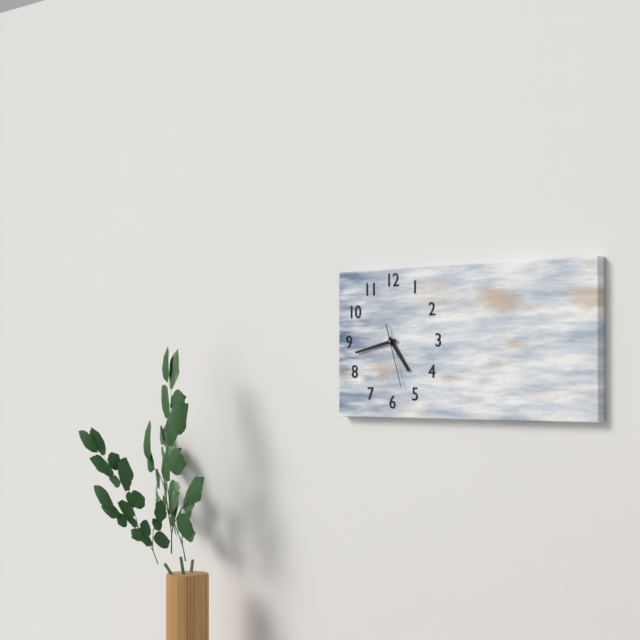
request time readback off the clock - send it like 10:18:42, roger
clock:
4:43:27
